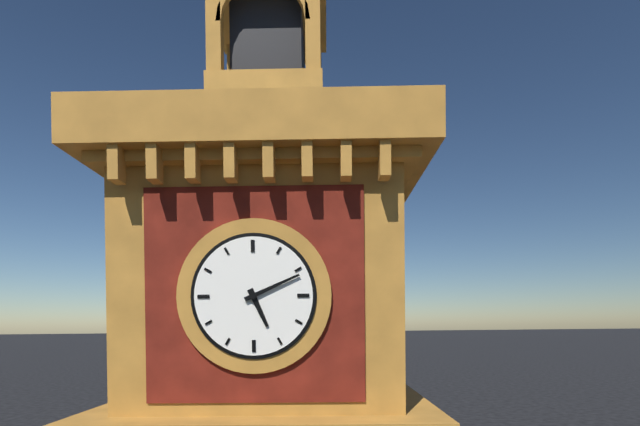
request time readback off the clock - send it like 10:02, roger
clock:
5:11
